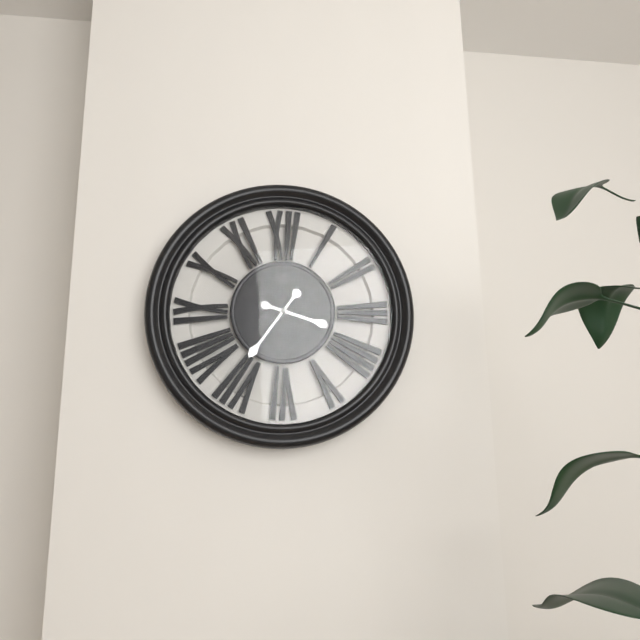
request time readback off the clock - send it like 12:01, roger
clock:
3:36
